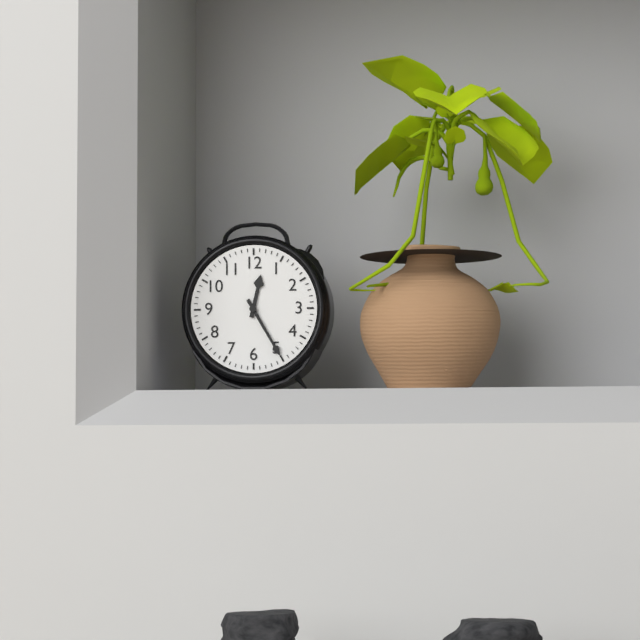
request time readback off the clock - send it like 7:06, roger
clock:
12:25
